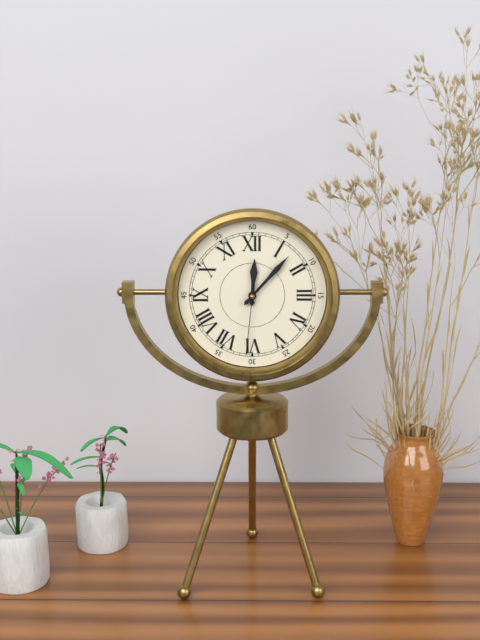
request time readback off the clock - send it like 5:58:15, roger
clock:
12:07:31
